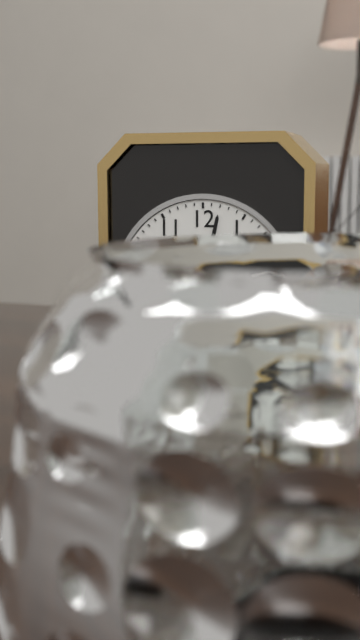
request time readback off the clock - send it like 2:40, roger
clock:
3:02
